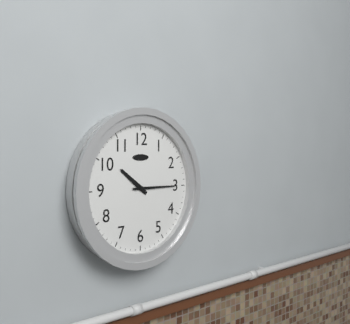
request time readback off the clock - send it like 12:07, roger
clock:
10:15
